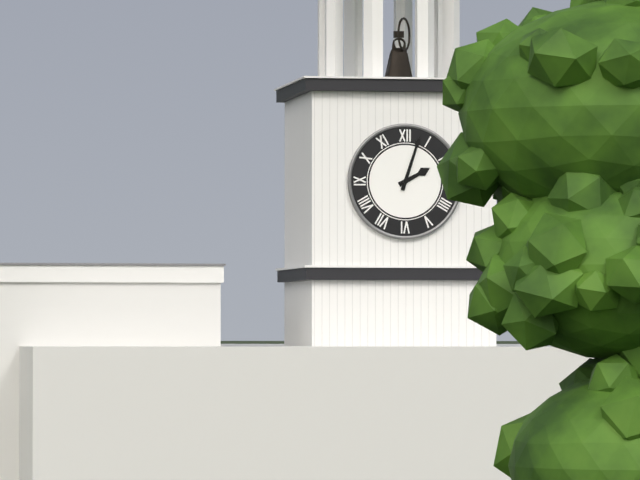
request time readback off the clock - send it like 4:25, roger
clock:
2:03
